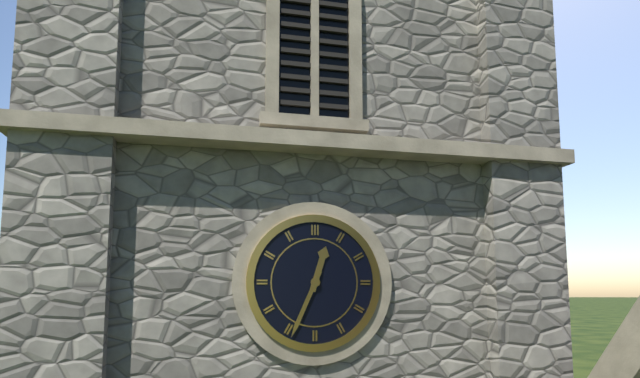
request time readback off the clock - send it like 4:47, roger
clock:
12:34
